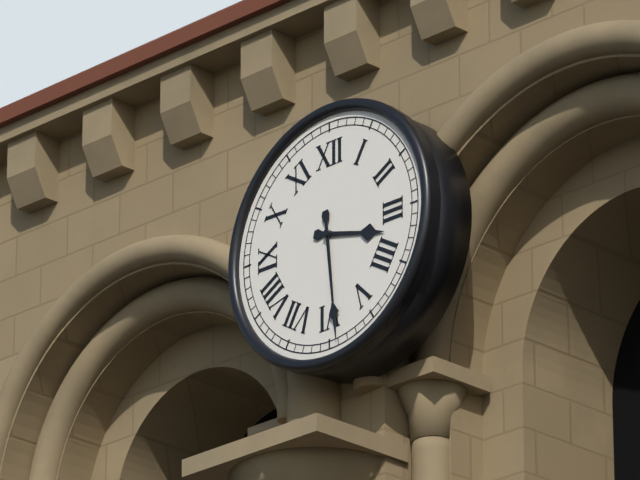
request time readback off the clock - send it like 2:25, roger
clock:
3:29
